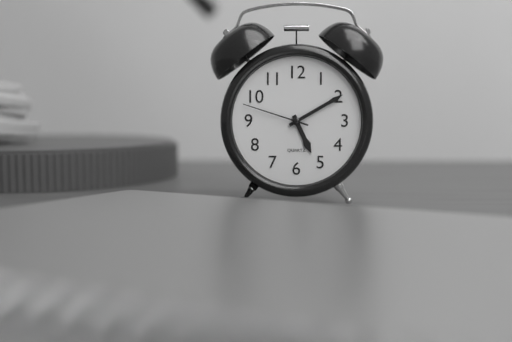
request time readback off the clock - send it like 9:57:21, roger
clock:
5:10:48
